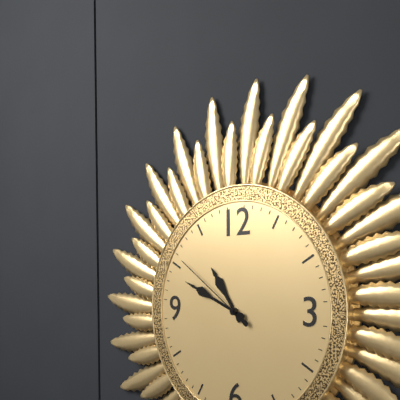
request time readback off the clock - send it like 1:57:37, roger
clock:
10:49:51
